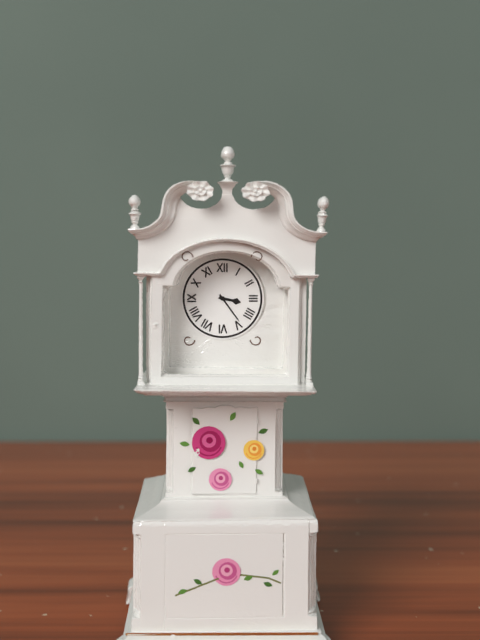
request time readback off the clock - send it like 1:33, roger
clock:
3:24
